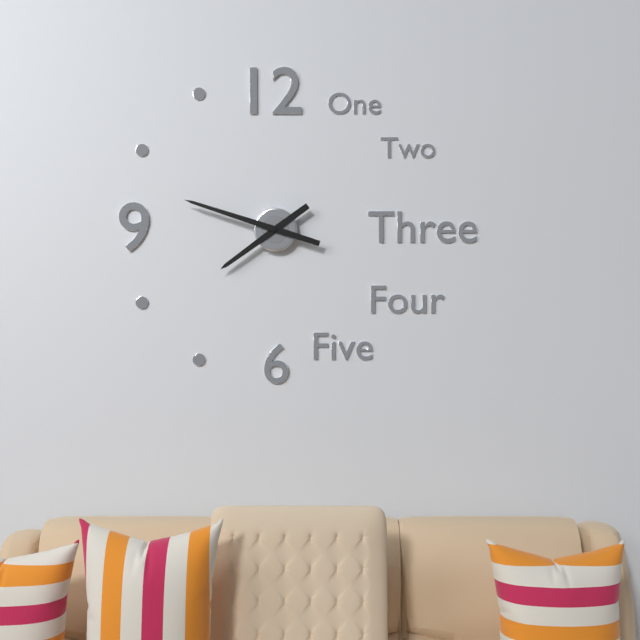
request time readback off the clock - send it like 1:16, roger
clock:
7:48
